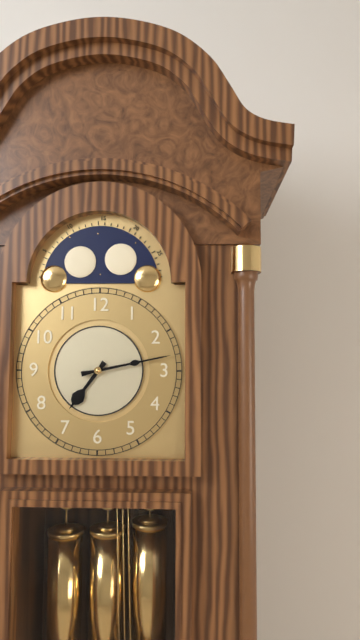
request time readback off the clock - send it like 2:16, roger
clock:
7:13
